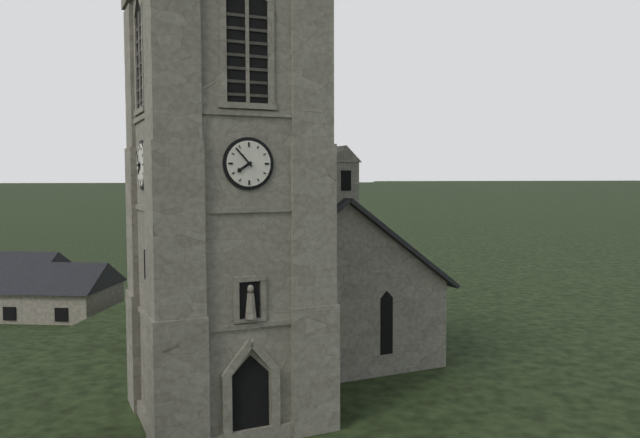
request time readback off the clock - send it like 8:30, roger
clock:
7:53
